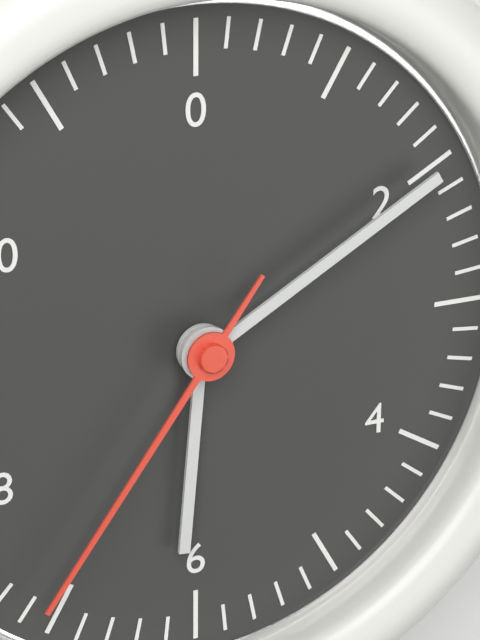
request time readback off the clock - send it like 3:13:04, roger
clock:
6:10:36
